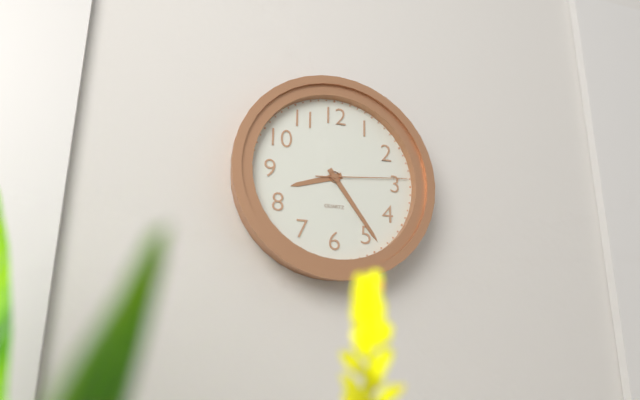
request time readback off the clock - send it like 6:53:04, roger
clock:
8:24:14
